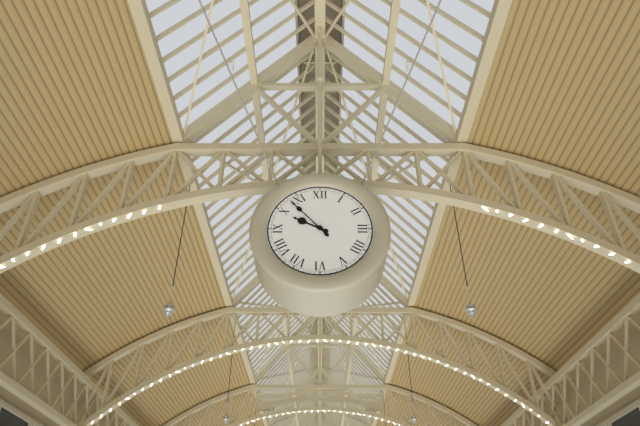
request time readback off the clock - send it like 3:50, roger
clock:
9:53
